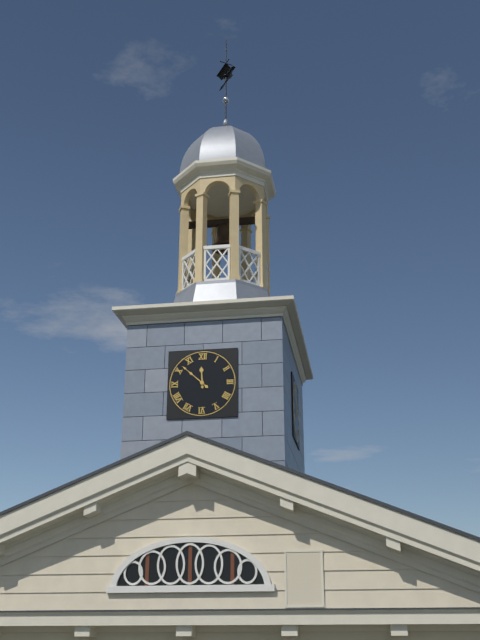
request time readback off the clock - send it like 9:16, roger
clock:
11:52
